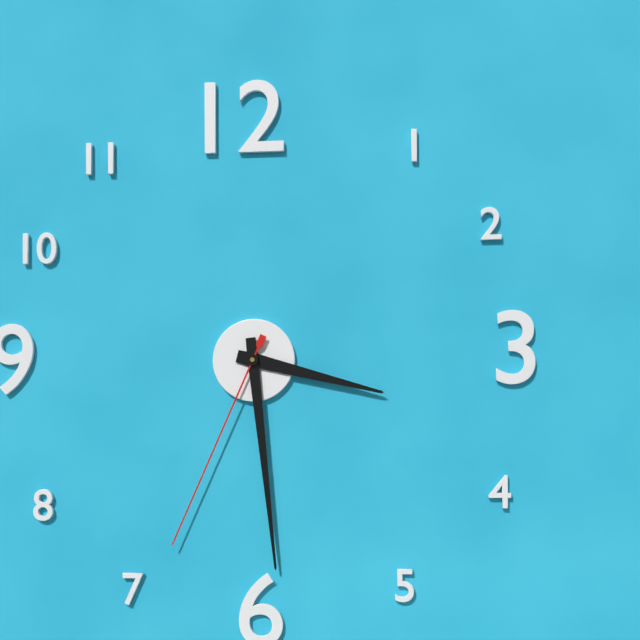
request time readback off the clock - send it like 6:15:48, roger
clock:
3:29:34
